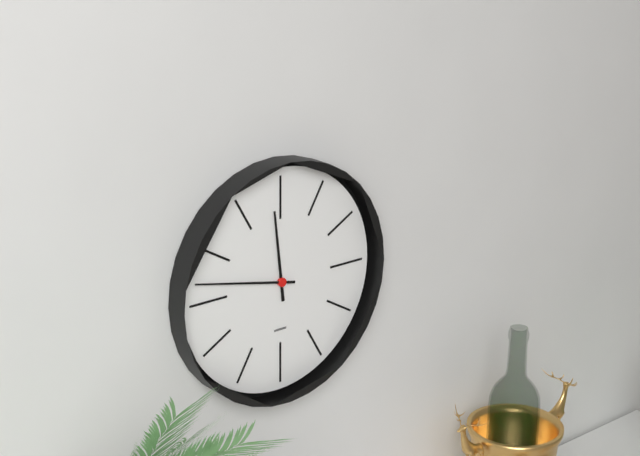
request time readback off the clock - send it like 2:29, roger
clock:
11:47
